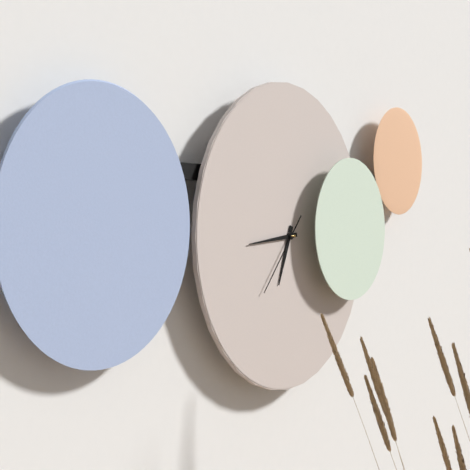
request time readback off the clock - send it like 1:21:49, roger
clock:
6:44:37
